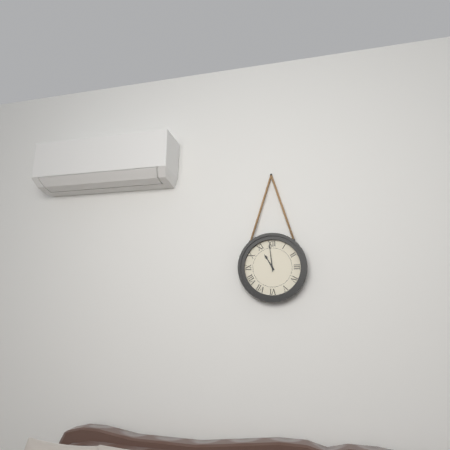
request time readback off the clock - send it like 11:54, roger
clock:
10:59
